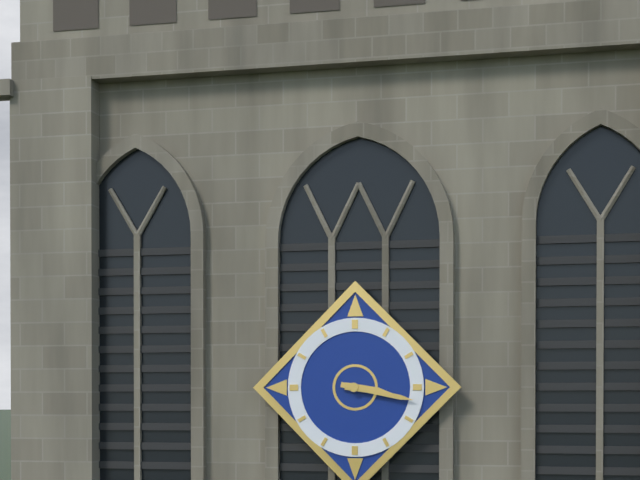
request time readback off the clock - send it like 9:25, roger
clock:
3:17
